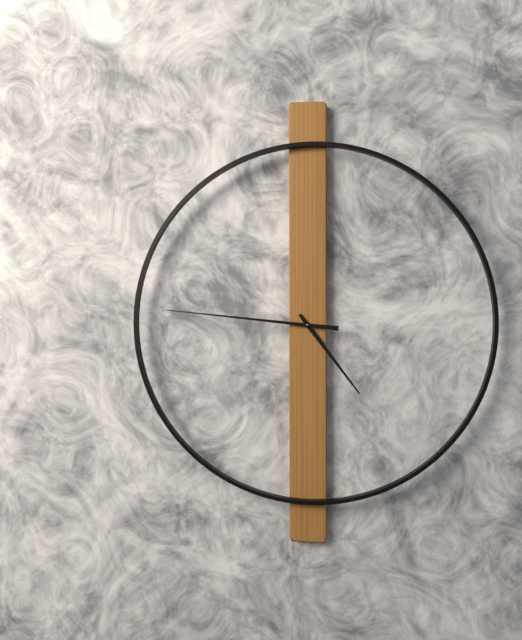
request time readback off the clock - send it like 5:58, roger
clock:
4:46
